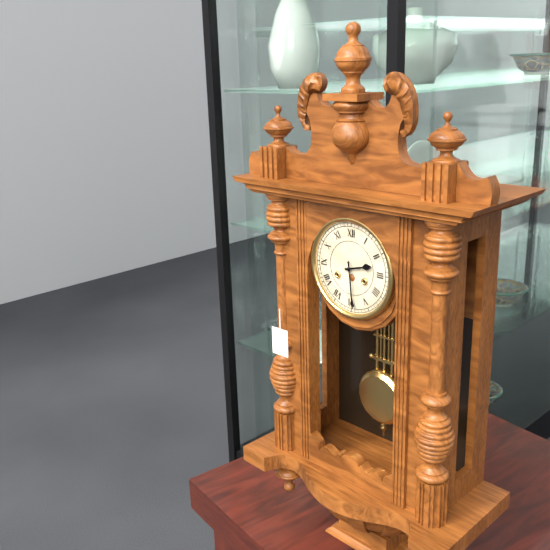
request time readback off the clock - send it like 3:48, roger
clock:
2:29
